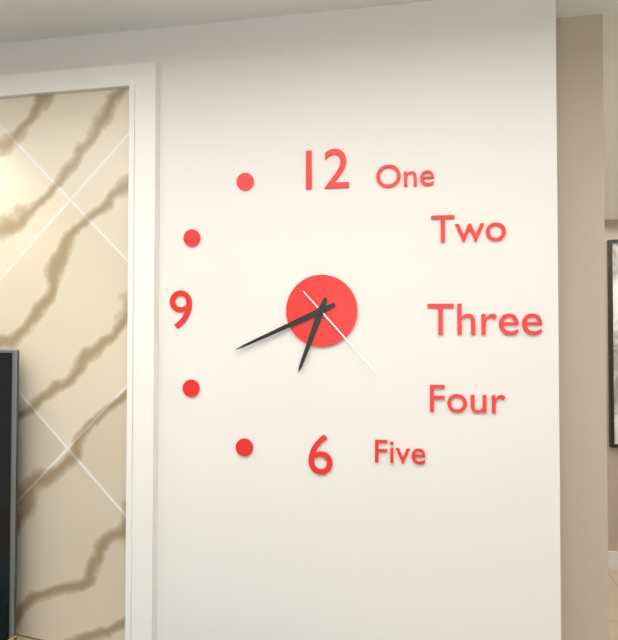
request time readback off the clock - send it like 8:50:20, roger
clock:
6:41:23
